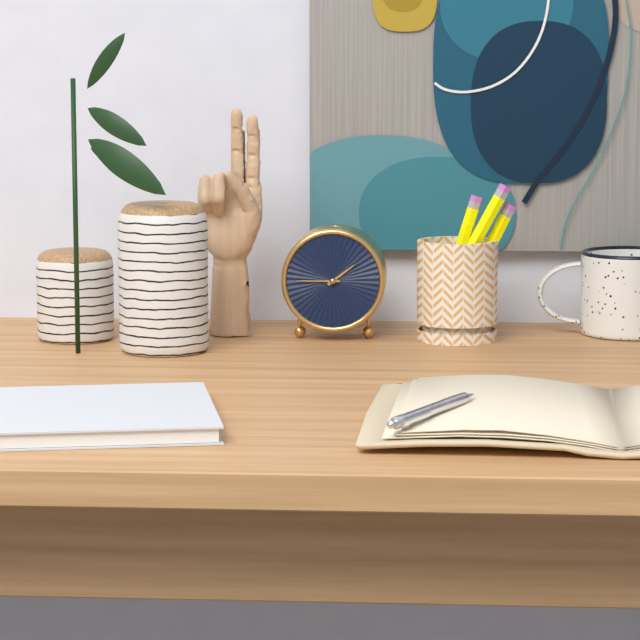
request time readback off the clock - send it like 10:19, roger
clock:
1:45
